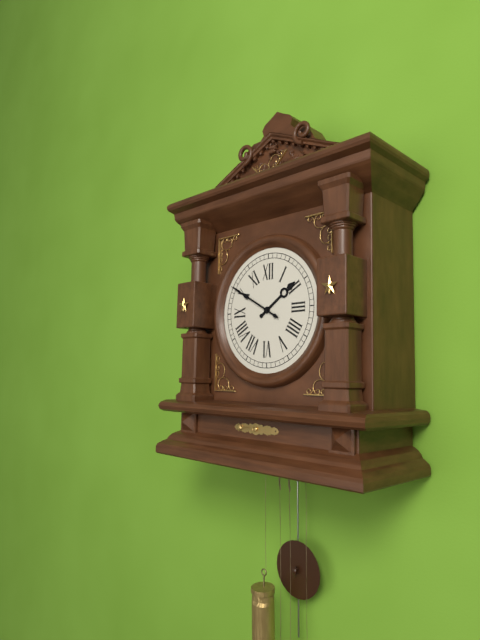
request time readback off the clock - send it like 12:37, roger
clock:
1:50
